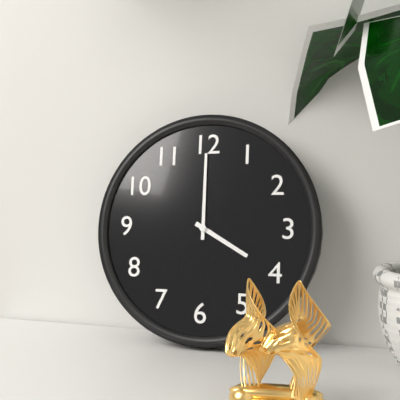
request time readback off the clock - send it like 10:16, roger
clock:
4:00
